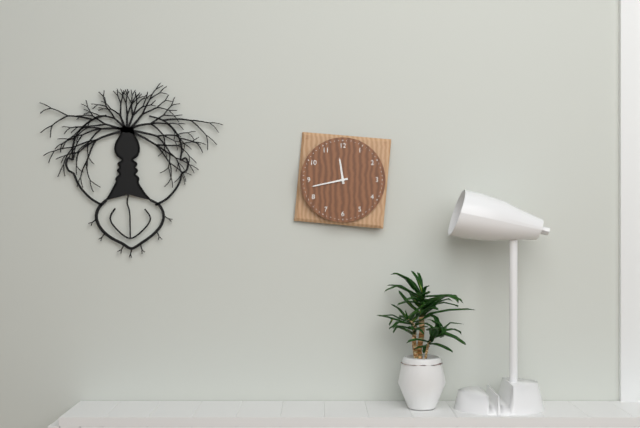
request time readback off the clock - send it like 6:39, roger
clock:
11:43
